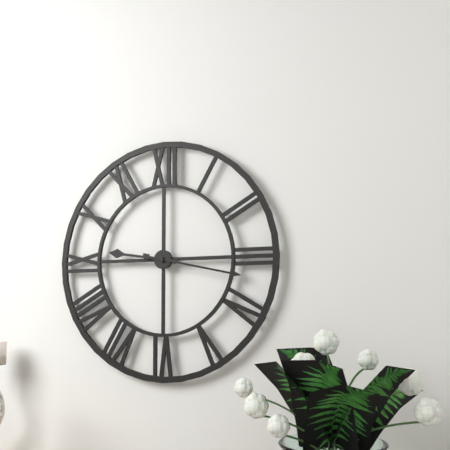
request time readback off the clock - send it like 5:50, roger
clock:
9:17
